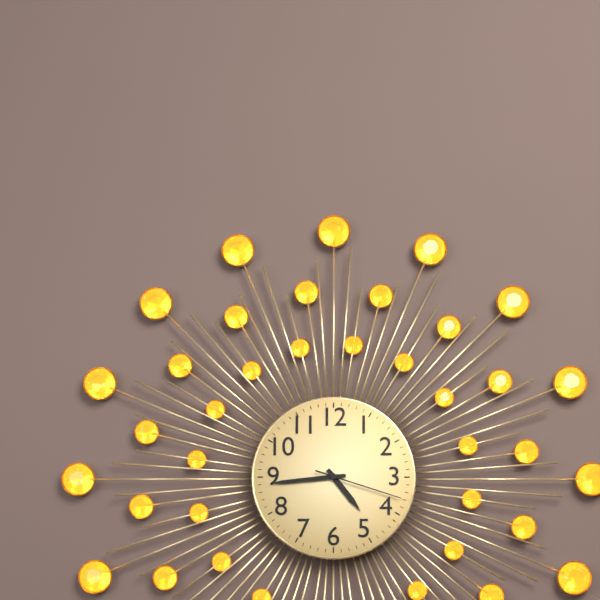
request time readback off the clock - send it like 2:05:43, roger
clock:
4:44:18
